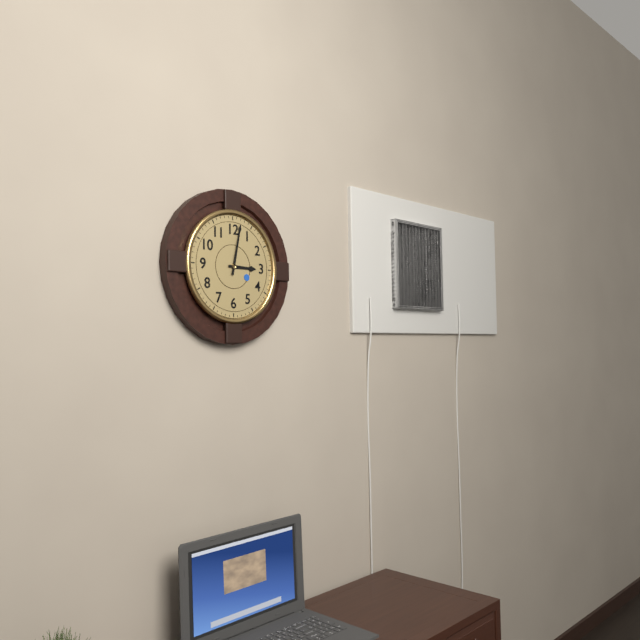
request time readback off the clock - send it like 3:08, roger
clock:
3:02
